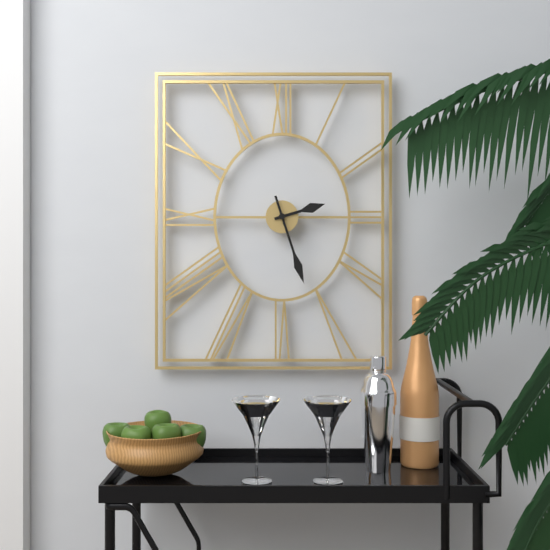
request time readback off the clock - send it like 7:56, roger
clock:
2:27
